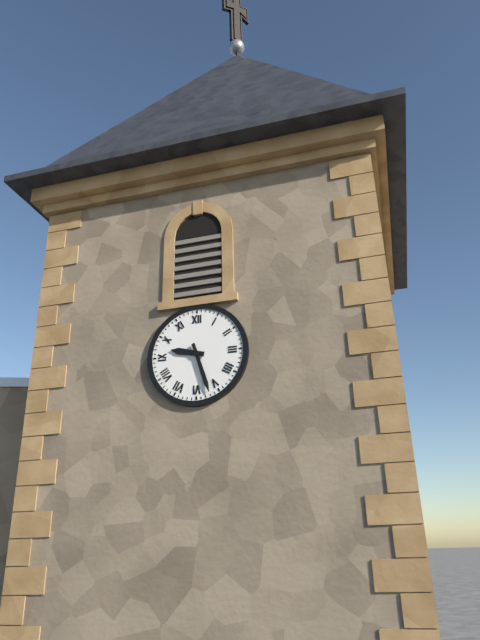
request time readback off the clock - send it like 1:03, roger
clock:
9:27
